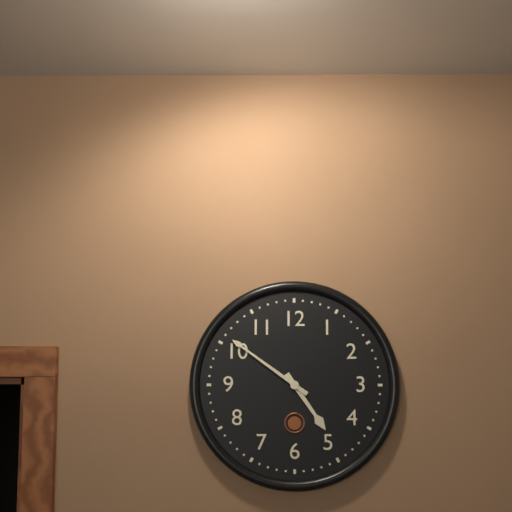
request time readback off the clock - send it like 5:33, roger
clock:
4:51
